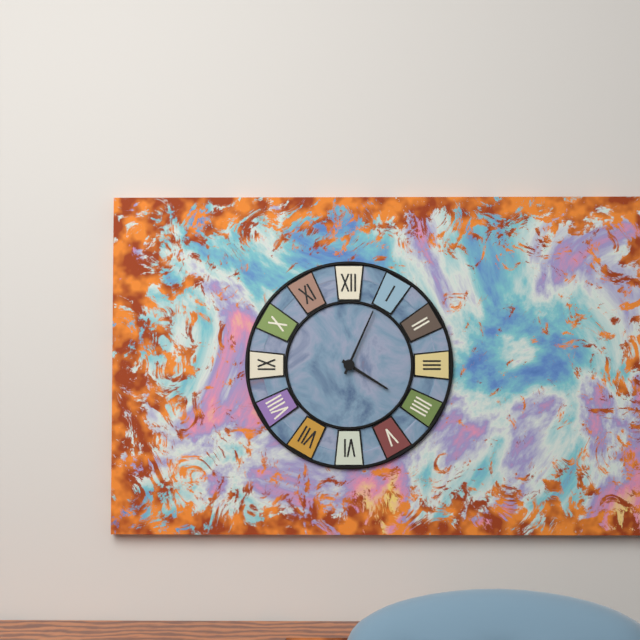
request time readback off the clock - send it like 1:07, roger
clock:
4:04
